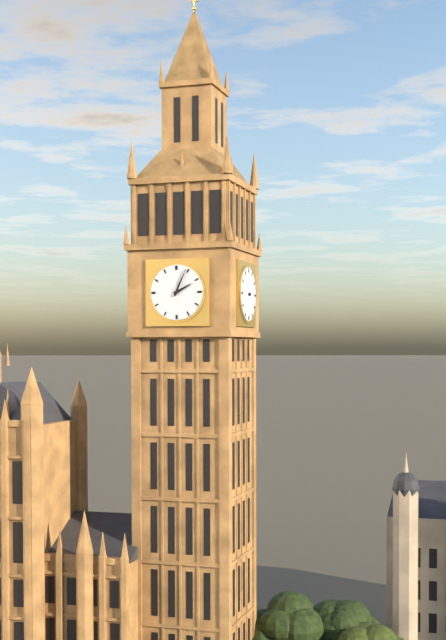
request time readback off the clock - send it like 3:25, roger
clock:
2:04
